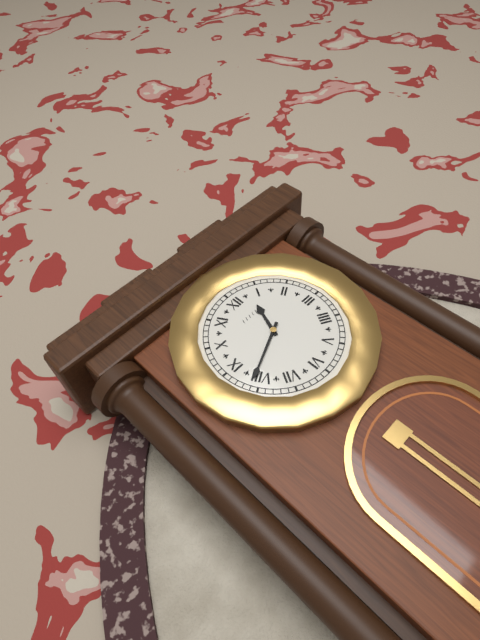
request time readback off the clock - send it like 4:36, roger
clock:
12:41
